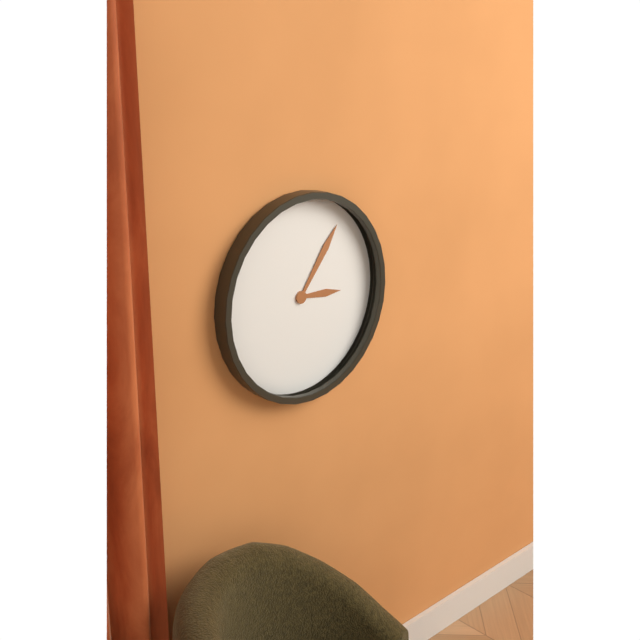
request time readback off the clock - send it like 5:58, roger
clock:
3:06
